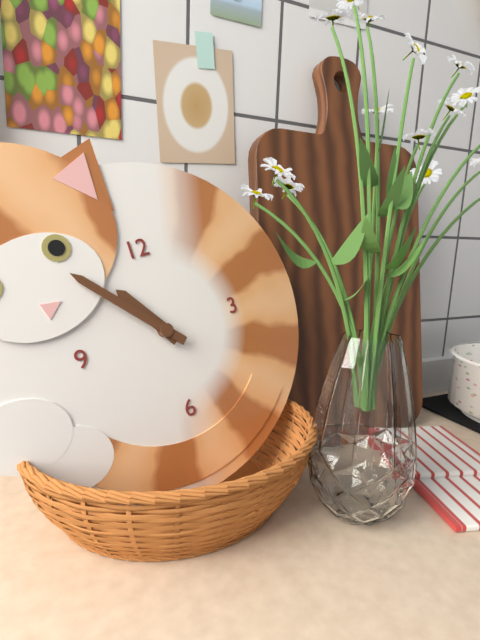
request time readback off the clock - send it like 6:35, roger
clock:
10:53
